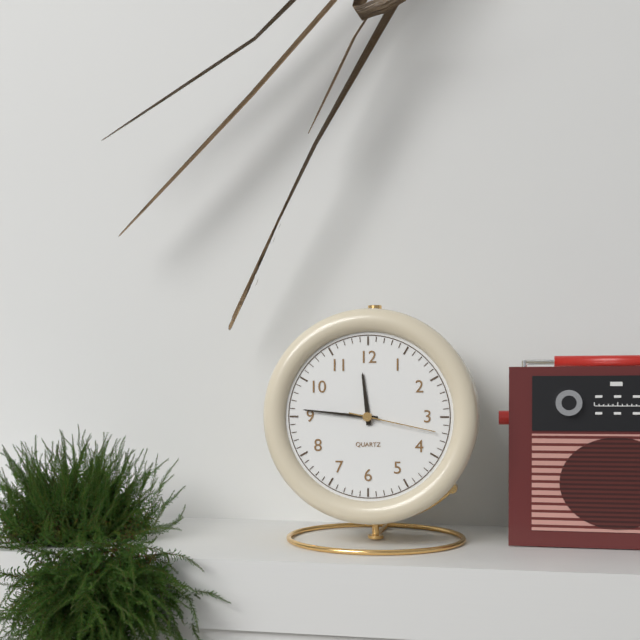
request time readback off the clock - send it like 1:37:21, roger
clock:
11:46:17
